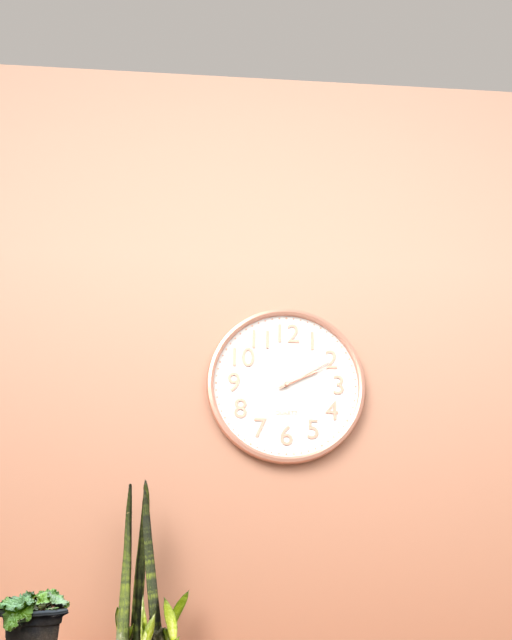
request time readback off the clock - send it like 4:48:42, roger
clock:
2:10:11
